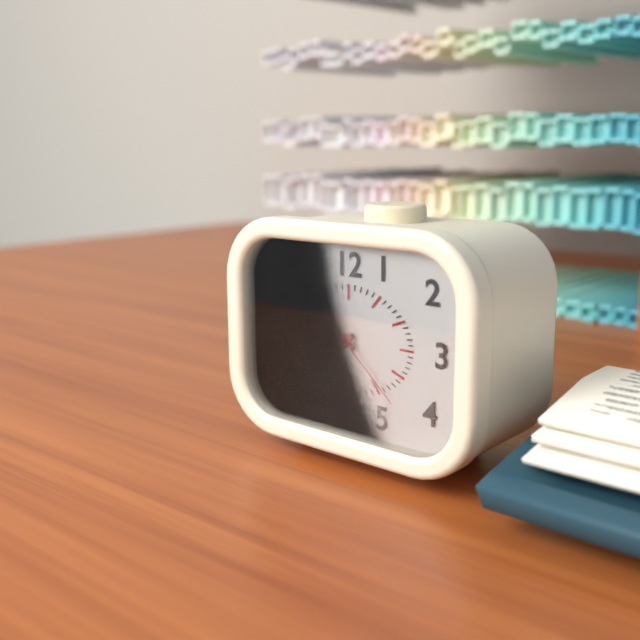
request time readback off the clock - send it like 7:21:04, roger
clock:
7:51:22
